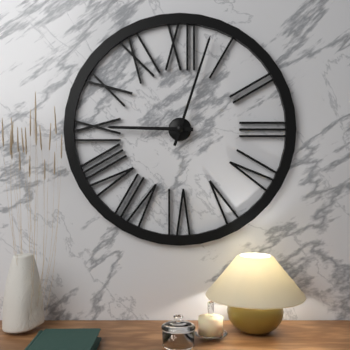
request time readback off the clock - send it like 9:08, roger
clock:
9:03
